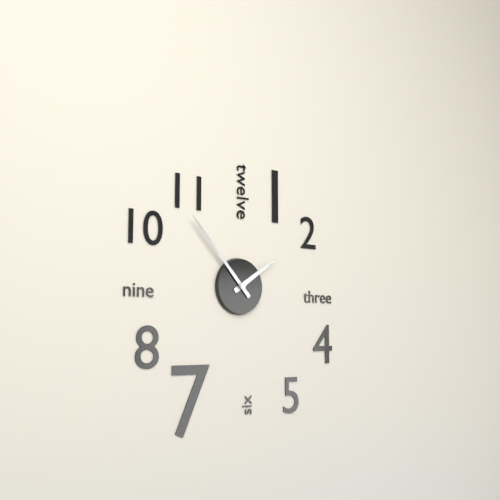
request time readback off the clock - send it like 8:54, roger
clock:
1:53
